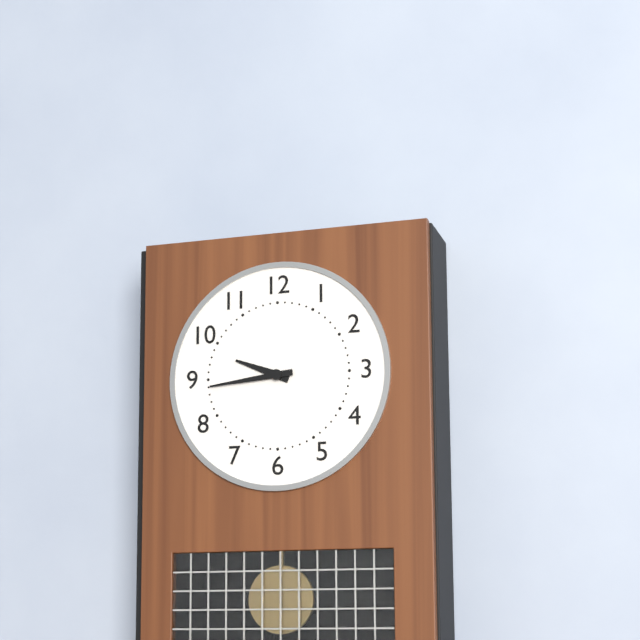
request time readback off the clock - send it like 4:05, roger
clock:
9:44
